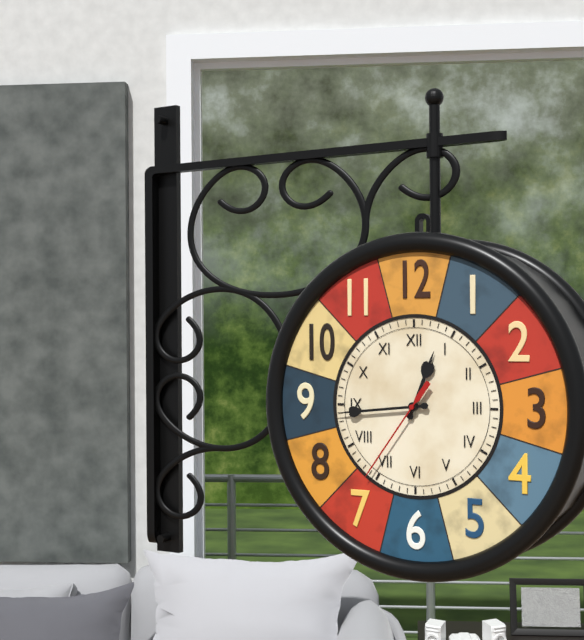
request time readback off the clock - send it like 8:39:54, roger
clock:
12:44:36
